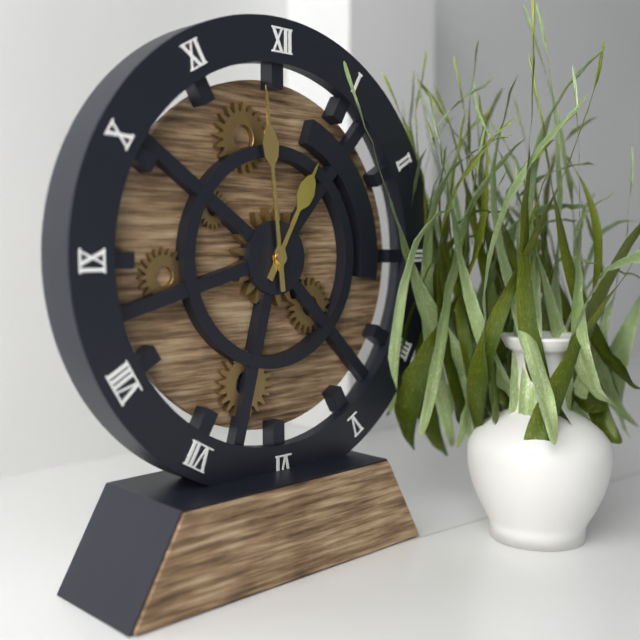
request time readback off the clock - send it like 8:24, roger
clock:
12:59
